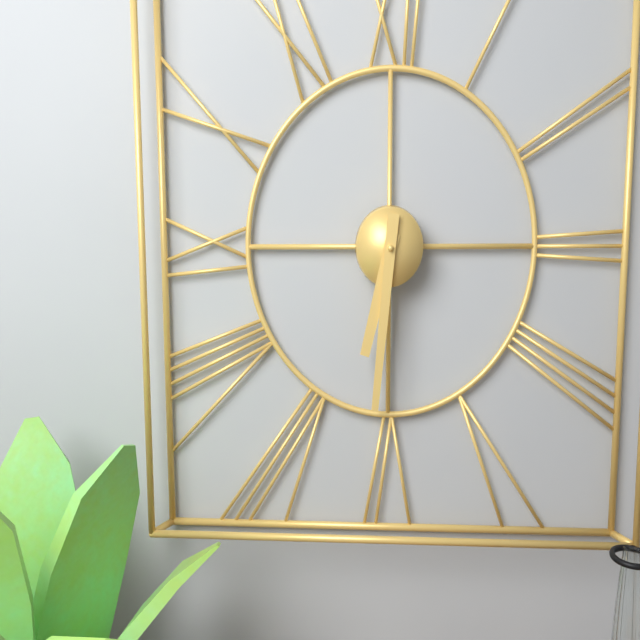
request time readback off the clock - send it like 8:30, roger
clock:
6:31
